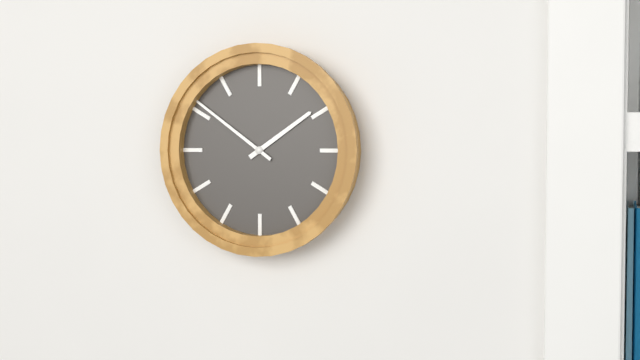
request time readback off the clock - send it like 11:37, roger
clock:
1:51
